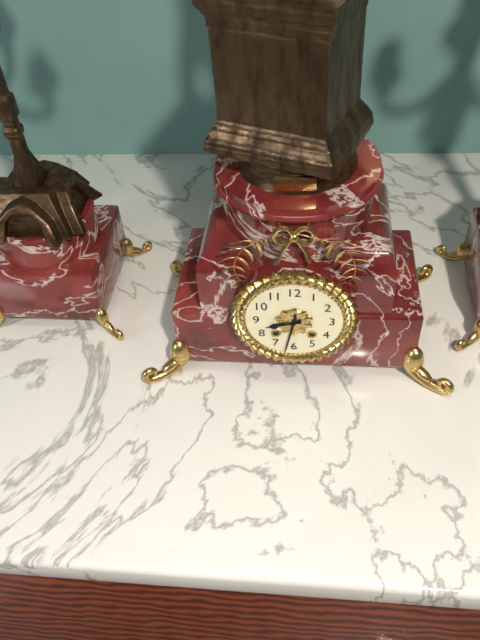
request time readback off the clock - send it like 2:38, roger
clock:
8:32
